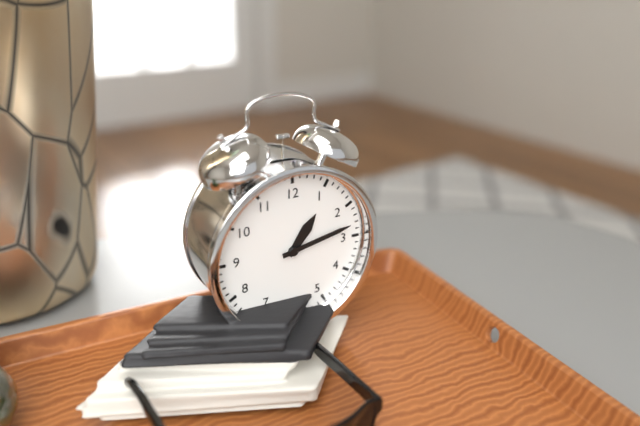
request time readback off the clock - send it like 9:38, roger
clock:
1:13
